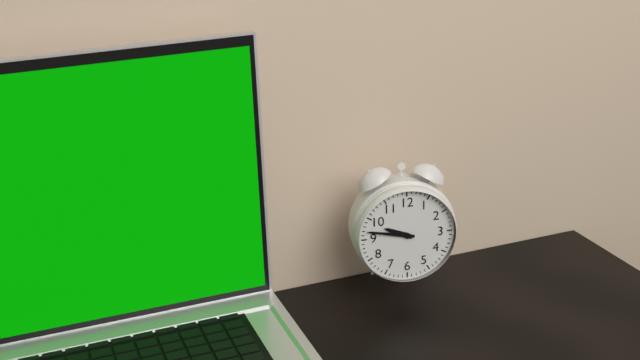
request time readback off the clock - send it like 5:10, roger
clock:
9:47
